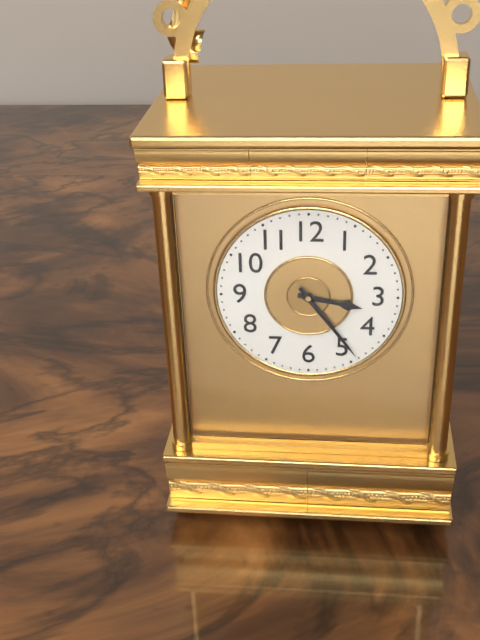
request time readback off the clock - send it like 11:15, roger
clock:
3:24
